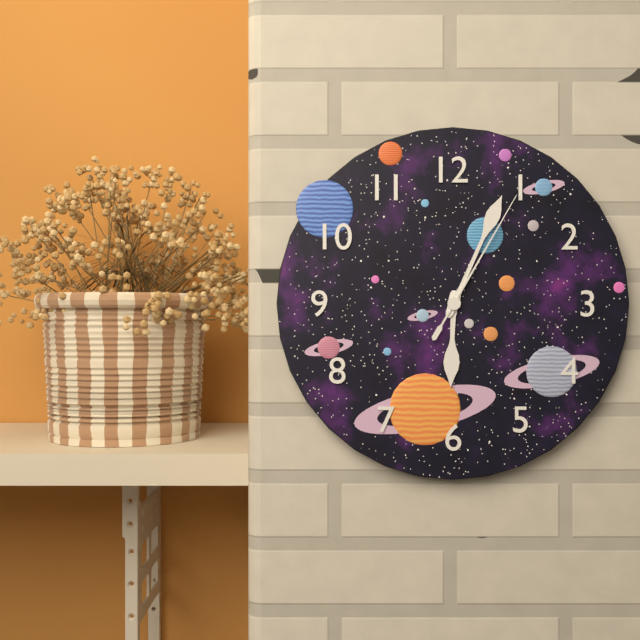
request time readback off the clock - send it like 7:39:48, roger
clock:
6:04:05
